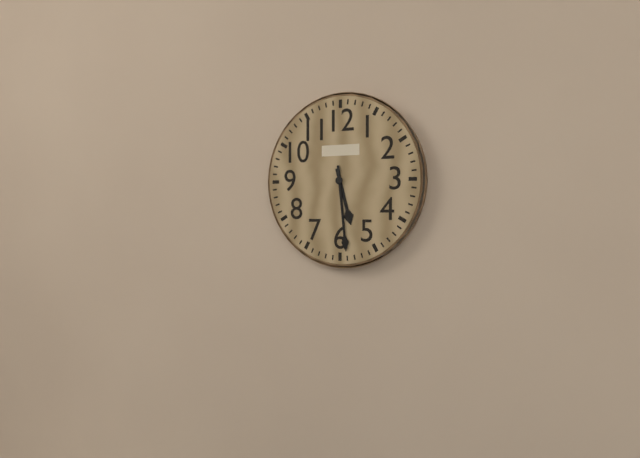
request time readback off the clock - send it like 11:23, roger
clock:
5:29
